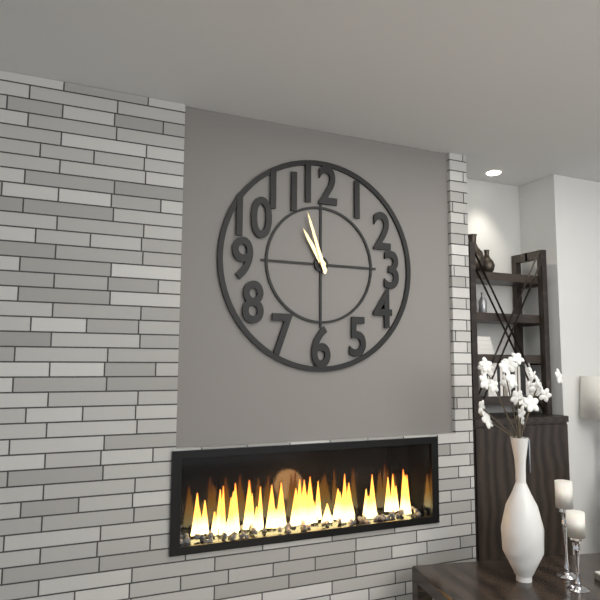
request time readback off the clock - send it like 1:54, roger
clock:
10:57
